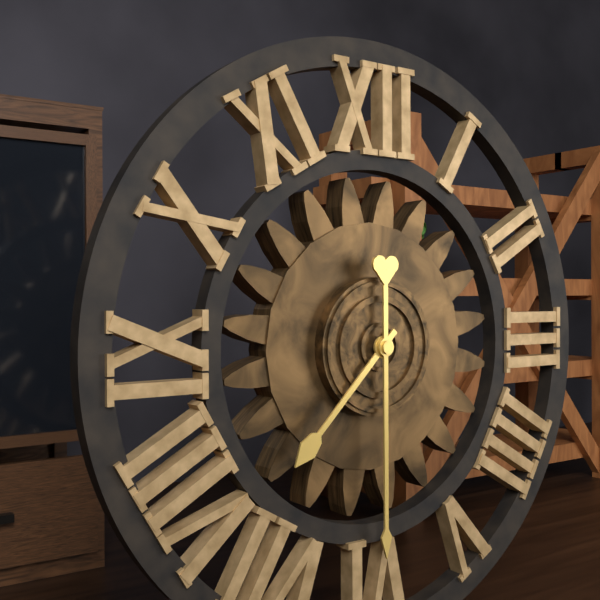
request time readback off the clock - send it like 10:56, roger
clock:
7:30
